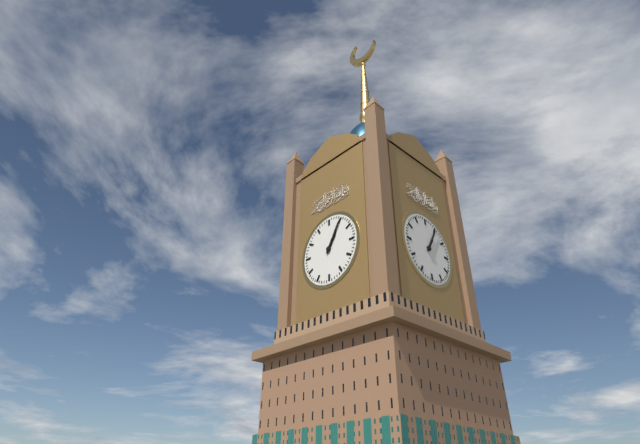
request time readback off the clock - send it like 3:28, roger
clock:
1:05
